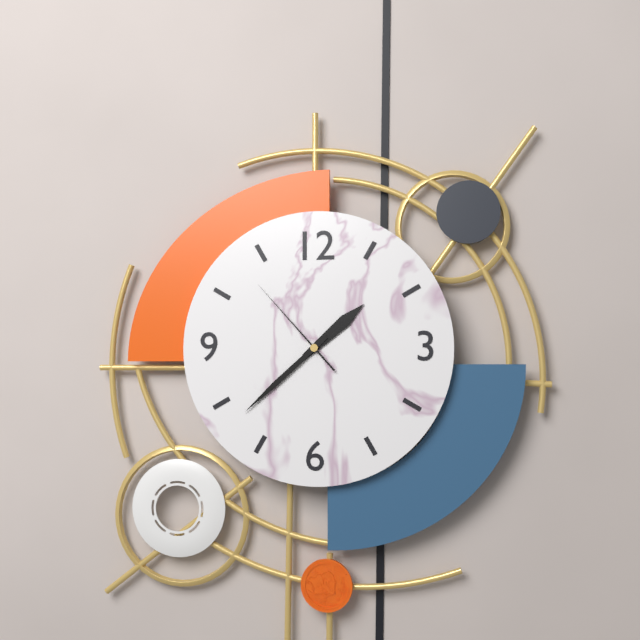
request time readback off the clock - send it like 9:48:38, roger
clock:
1:38:53
